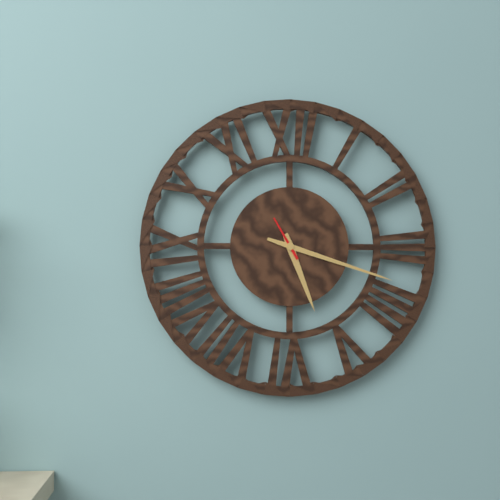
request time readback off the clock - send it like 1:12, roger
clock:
5:18
